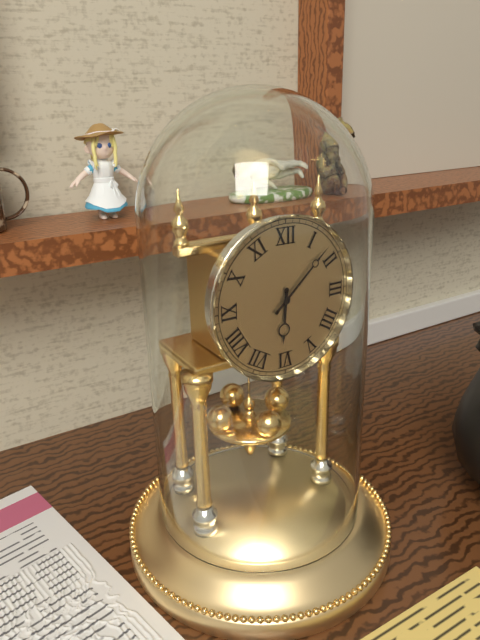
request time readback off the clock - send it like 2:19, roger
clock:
6:08
